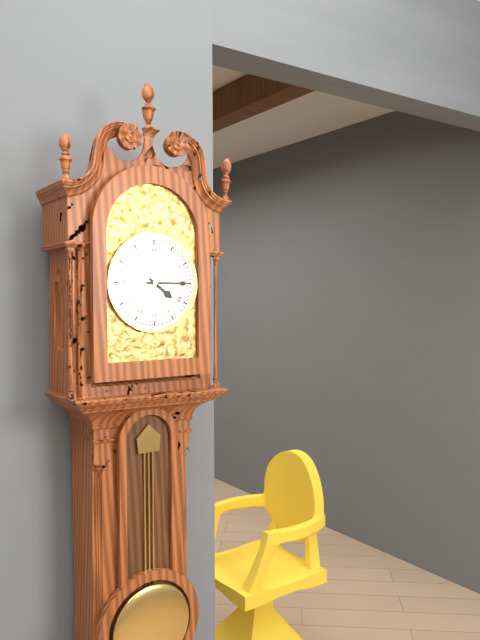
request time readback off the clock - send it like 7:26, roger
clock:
4:15
